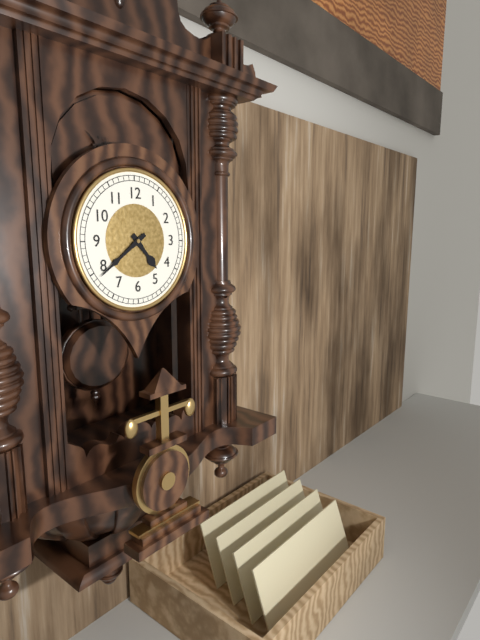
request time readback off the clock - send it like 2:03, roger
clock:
4:39
